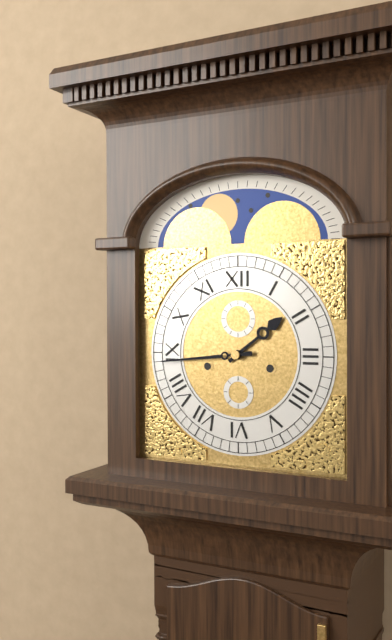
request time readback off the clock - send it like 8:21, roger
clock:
1:44
